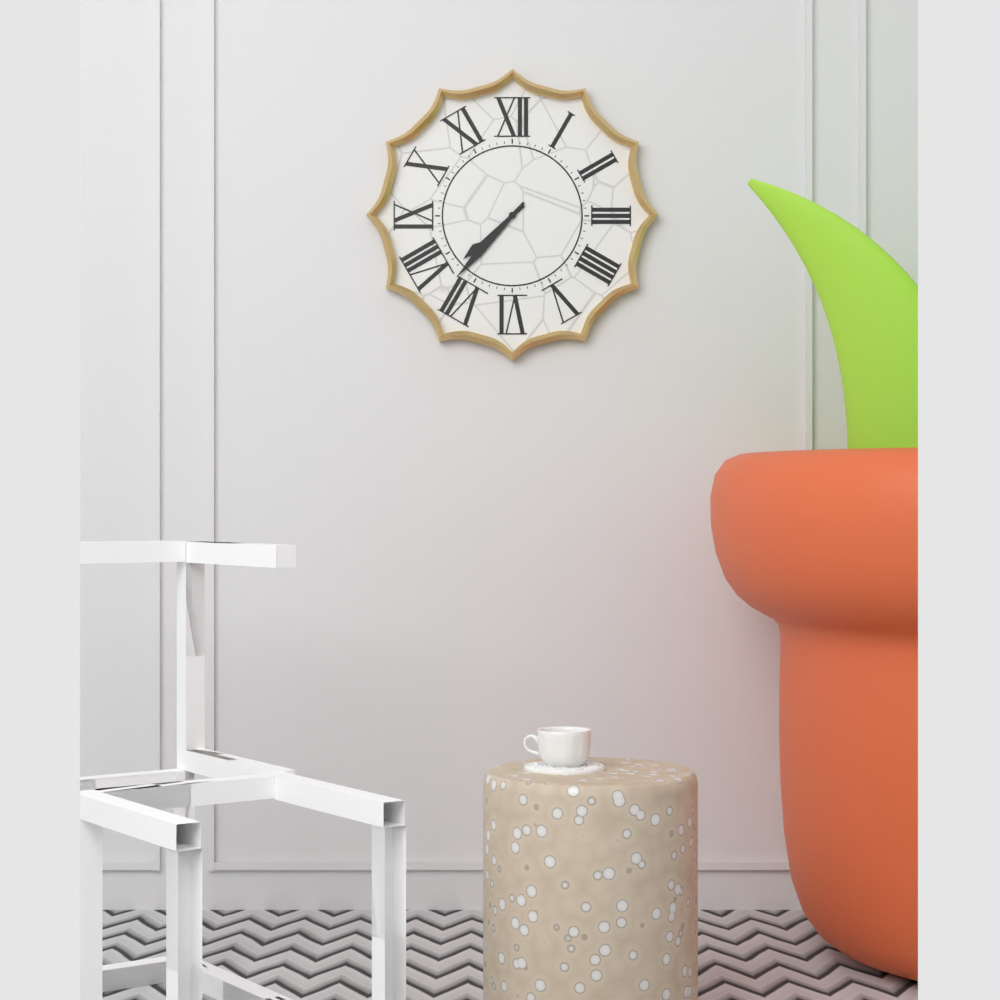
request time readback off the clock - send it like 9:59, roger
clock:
7:37
